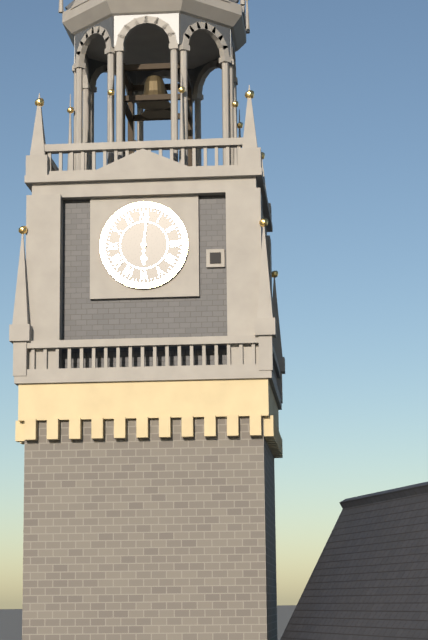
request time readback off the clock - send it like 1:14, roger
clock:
6:01
